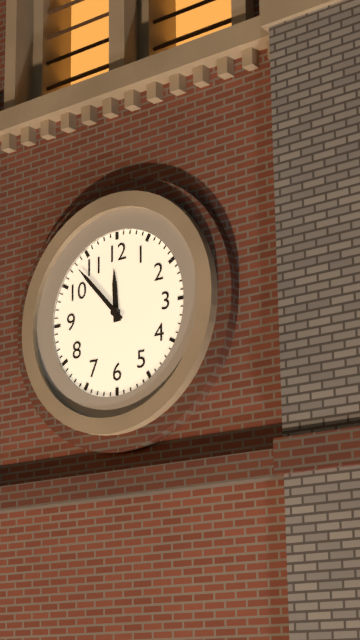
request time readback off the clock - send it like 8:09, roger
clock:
11:53
